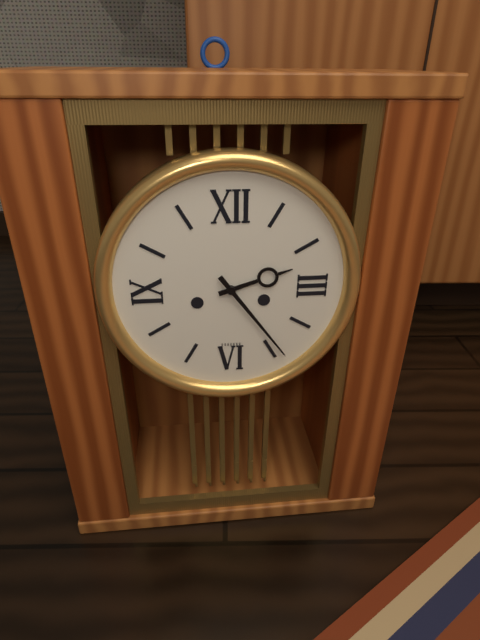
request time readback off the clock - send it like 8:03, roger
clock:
2:24
